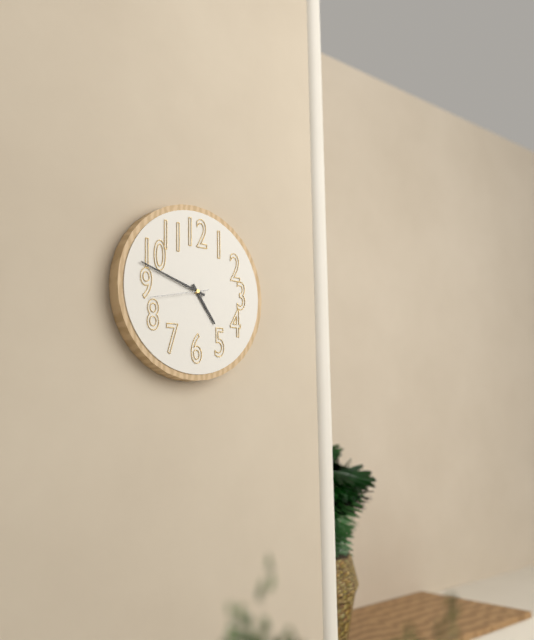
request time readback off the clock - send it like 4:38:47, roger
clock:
4:48:43
